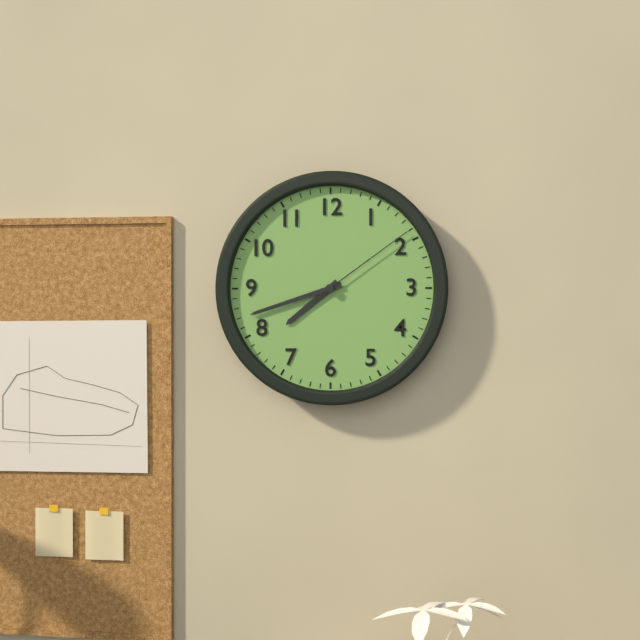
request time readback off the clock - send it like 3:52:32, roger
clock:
7:42:09
